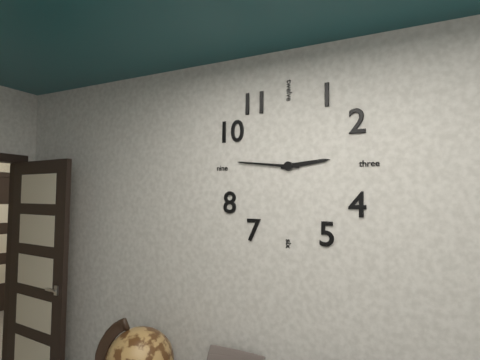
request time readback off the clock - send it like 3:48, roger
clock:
2:46
